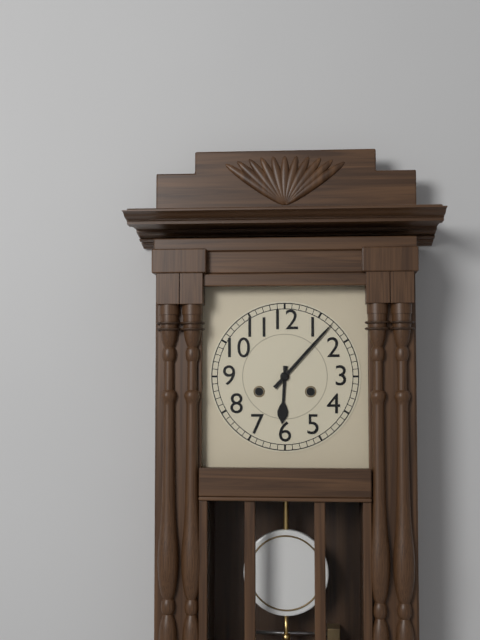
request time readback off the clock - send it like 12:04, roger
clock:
6:07
